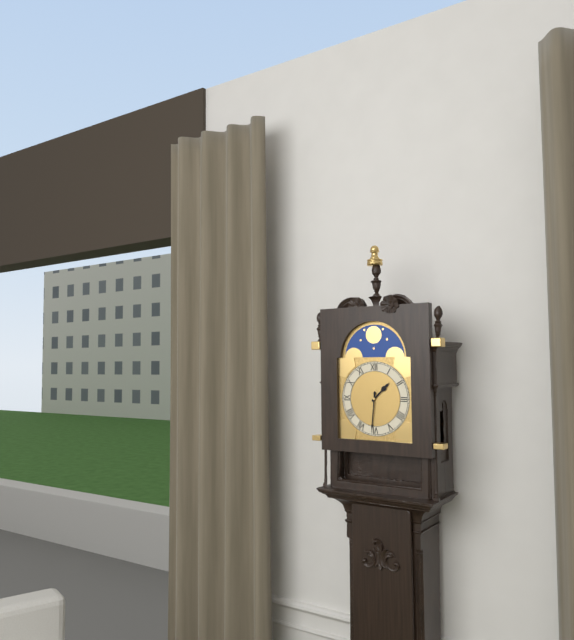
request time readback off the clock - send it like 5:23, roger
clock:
1:31
